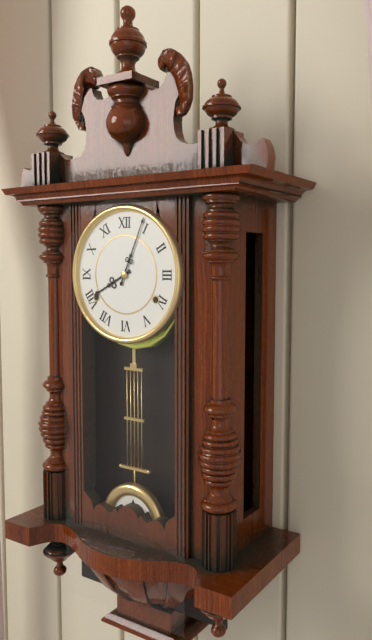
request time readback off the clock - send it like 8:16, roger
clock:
8:04
